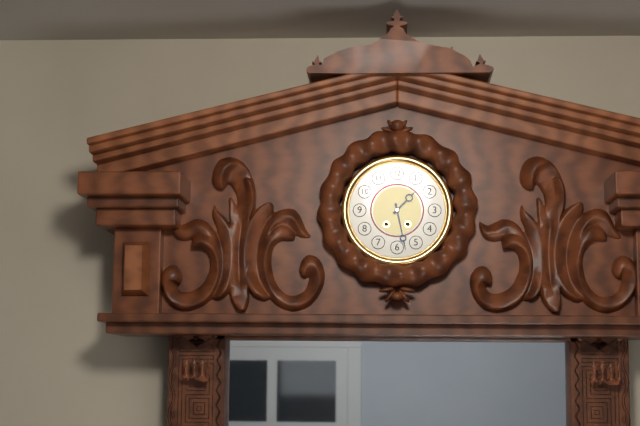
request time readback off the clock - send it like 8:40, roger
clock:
1:28
